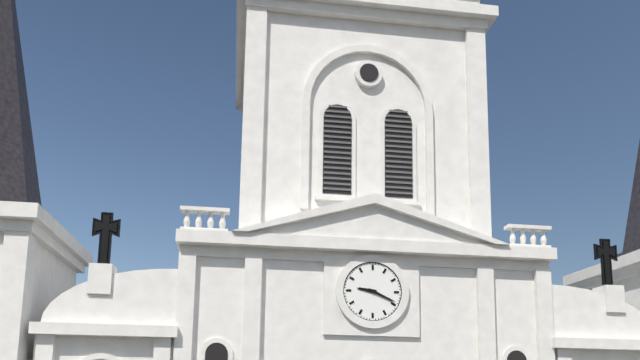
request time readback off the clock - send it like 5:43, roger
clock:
9:19
